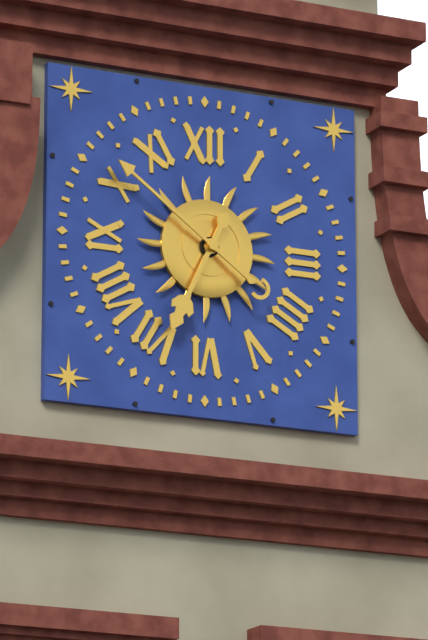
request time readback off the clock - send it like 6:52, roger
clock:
6:51
